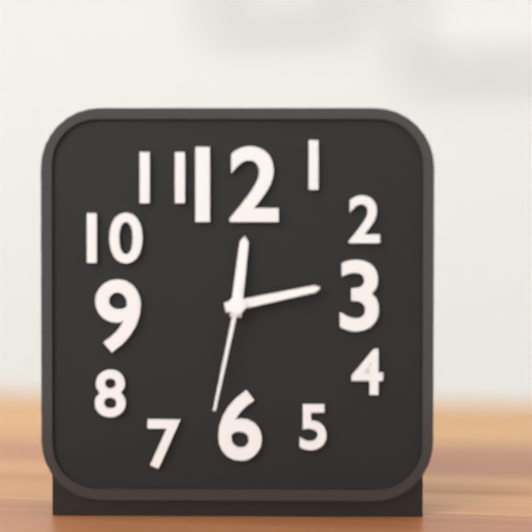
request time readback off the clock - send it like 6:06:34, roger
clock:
12:13:32
